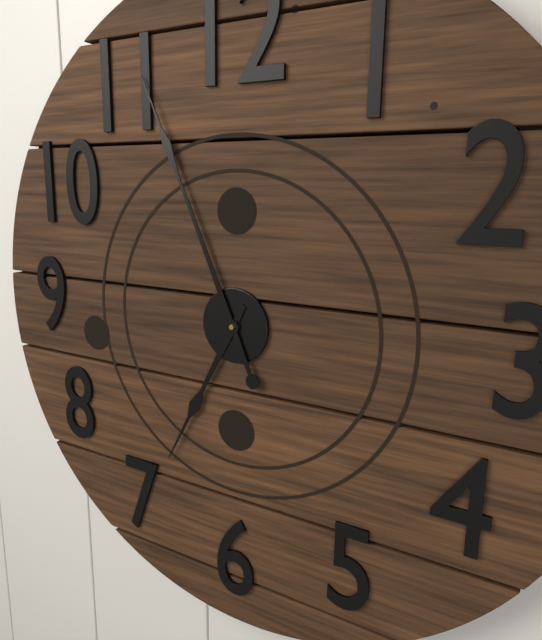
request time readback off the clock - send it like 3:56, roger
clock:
6:56
